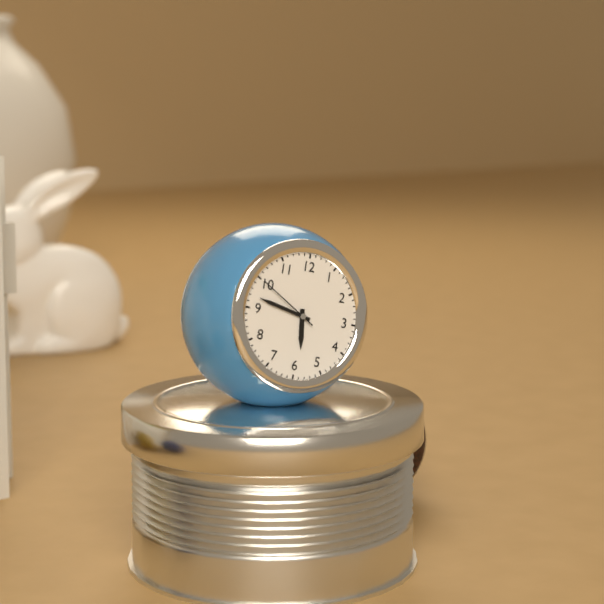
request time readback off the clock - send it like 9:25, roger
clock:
5:47
